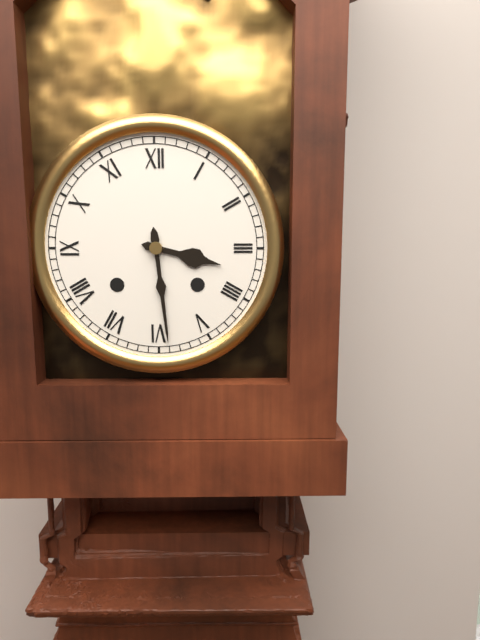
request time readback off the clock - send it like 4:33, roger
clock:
3:29
